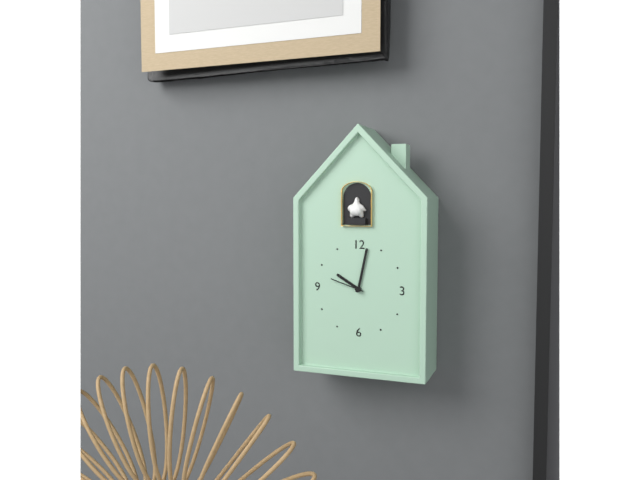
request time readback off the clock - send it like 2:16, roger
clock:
10:02
